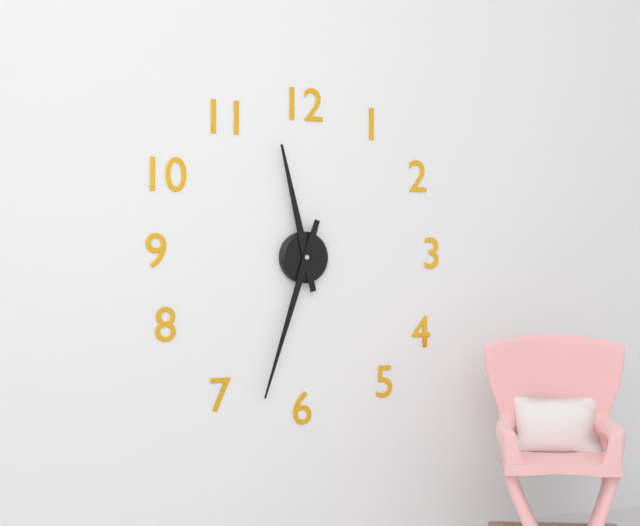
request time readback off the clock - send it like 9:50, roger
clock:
11:33
